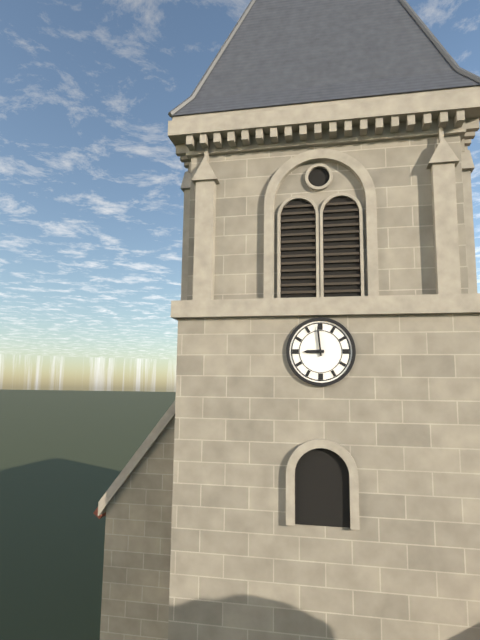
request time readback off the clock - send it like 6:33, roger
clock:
8:59
